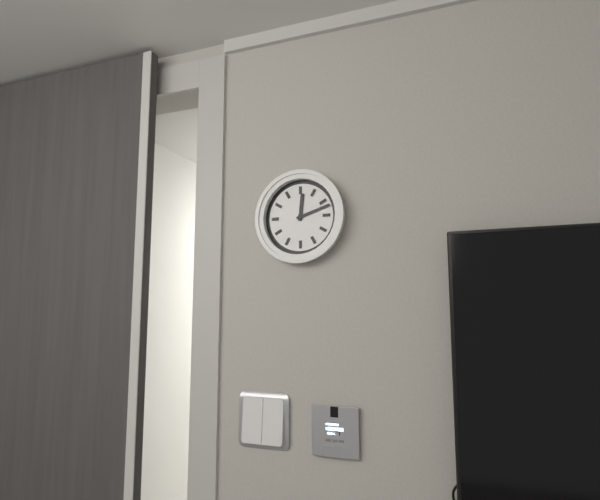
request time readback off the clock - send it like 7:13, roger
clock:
12:12
